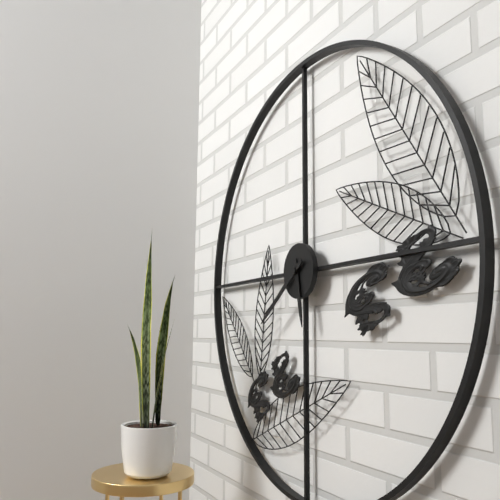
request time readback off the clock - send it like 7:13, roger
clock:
5:39
